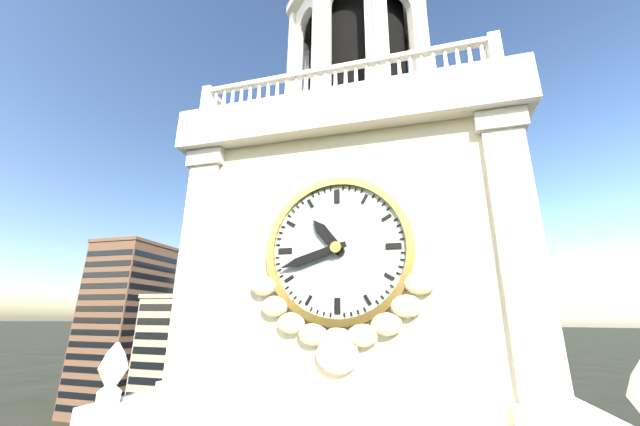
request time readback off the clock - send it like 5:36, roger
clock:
10:42
